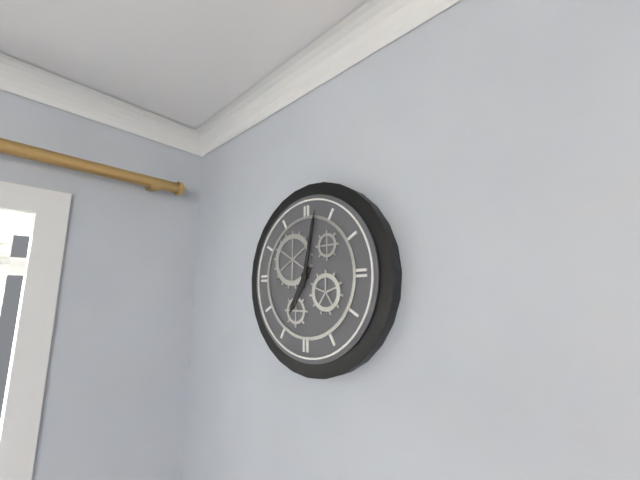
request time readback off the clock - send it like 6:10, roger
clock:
7:02
